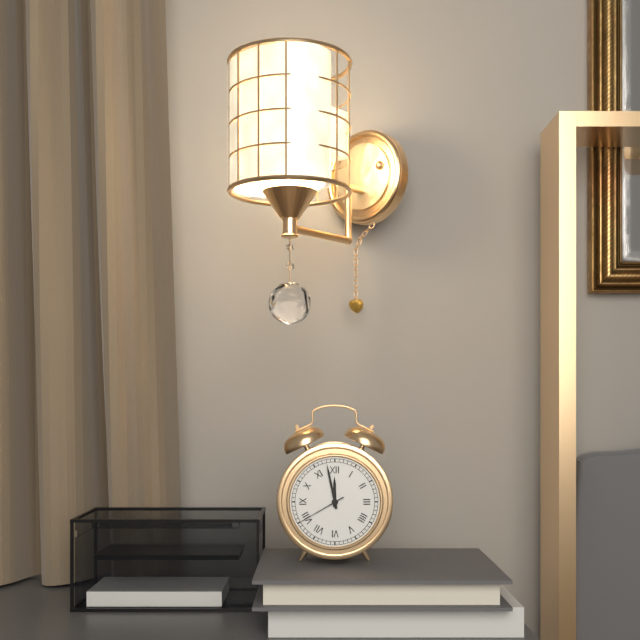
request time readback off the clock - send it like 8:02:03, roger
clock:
11:58:40
